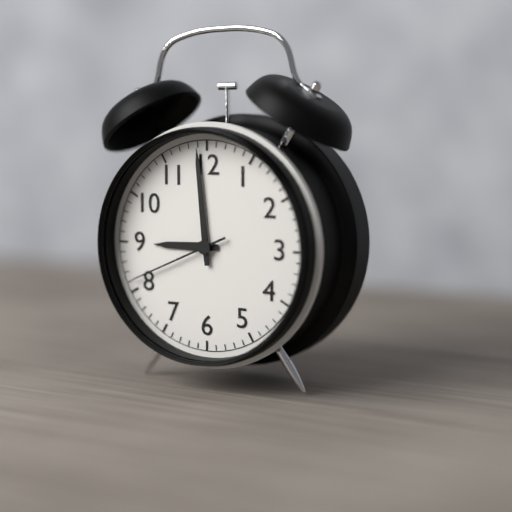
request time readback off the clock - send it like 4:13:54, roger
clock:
8:59:41
